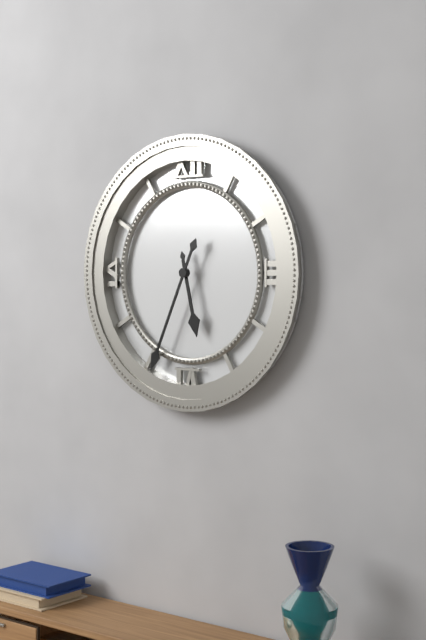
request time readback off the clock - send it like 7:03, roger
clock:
5:34
